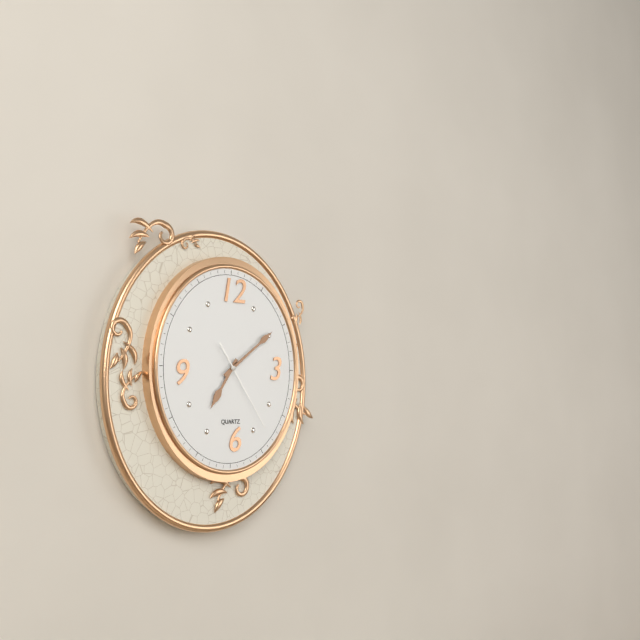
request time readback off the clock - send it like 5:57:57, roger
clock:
7:09:24
